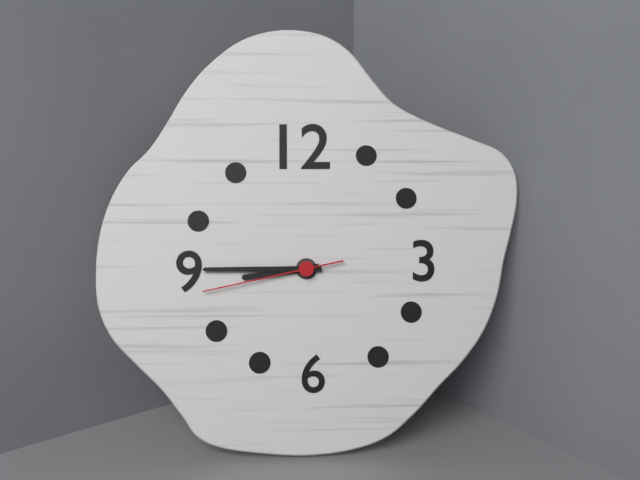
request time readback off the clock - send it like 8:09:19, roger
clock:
8:45:43
